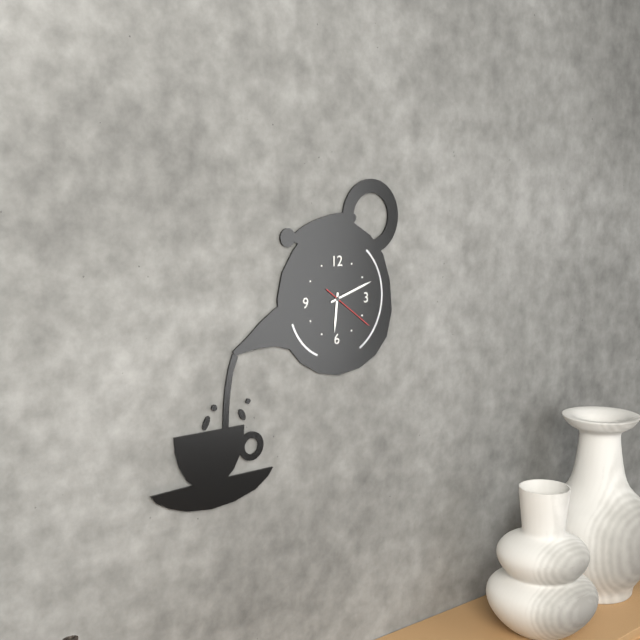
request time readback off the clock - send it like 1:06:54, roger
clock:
6:12:21
